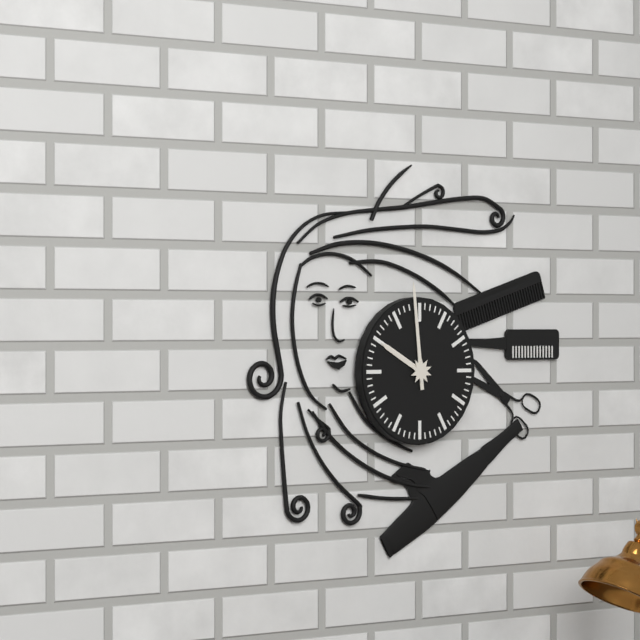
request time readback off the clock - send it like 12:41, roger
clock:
9:59
